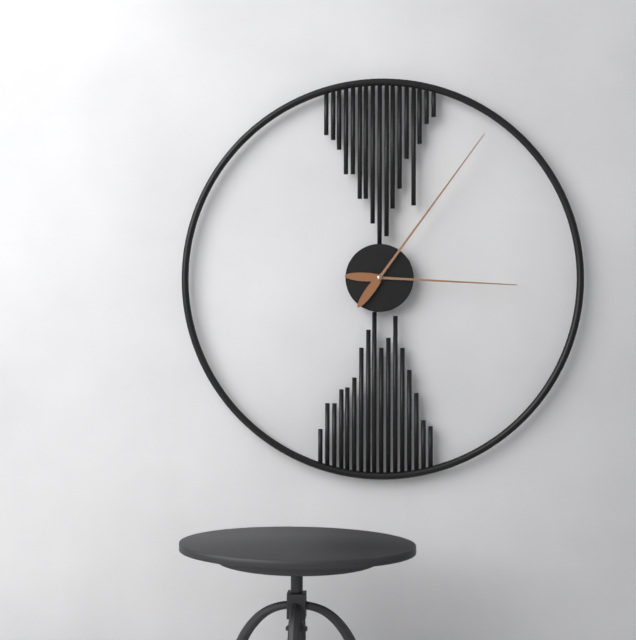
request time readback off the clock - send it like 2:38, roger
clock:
3:06
